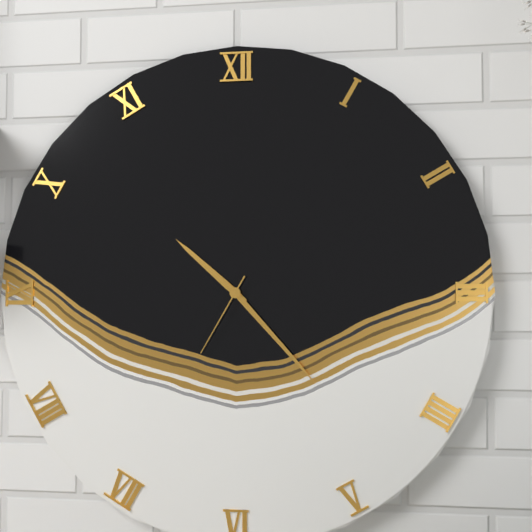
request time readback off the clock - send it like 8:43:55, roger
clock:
10:23:35
